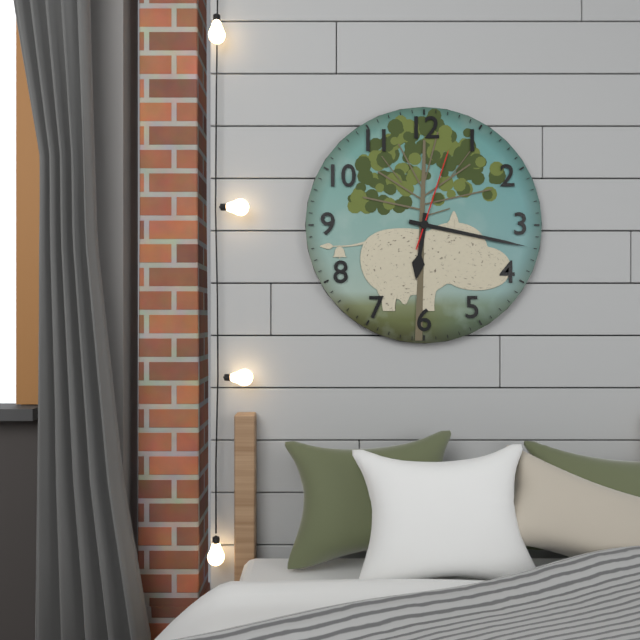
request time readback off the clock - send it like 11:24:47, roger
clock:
6:17:03
